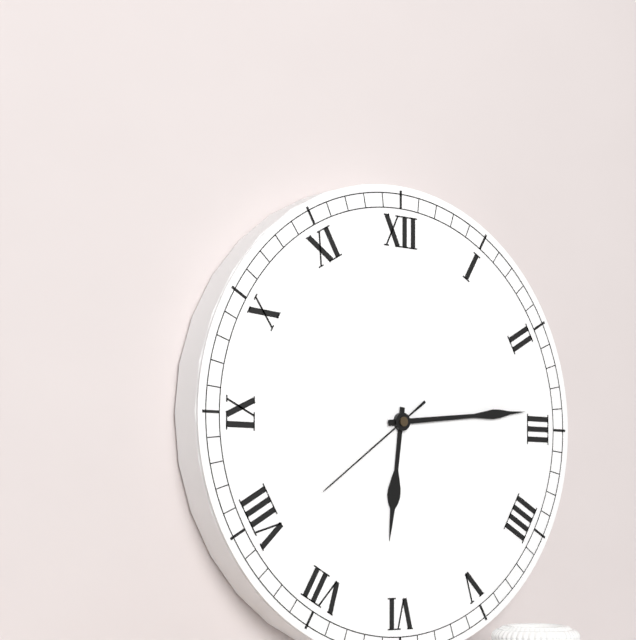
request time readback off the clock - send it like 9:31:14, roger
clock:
6:14:39
